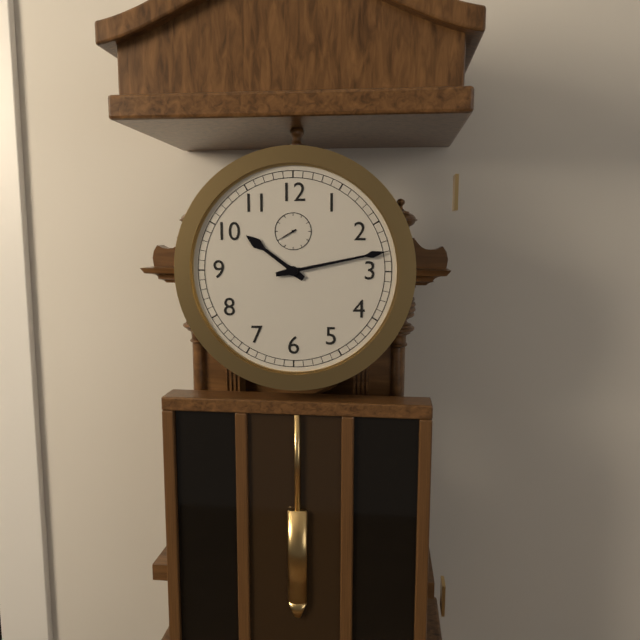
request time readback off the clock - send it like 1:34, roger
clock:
10:13
